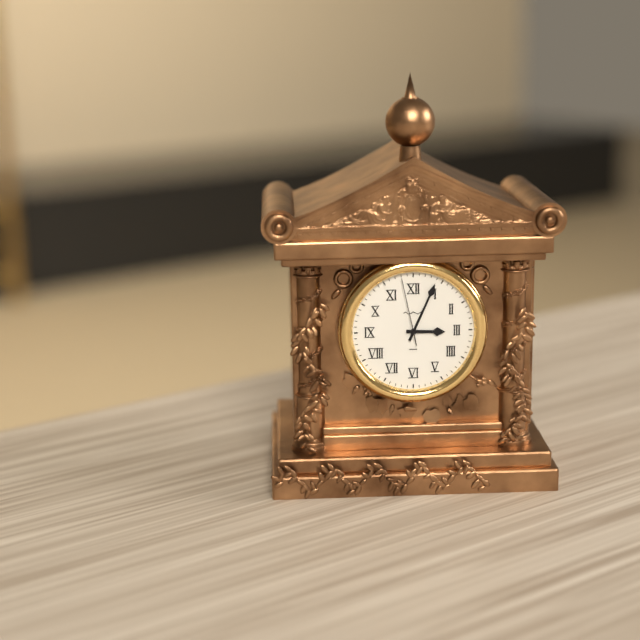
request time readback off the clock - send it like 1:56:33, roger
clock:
3:04:58
